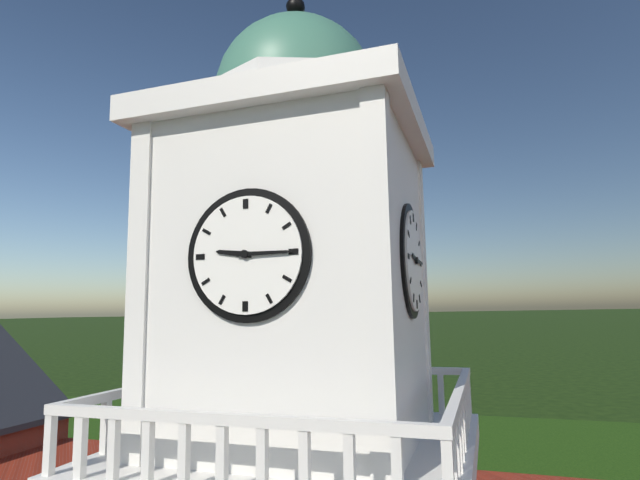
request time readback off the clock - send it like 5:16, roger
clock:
9:15
